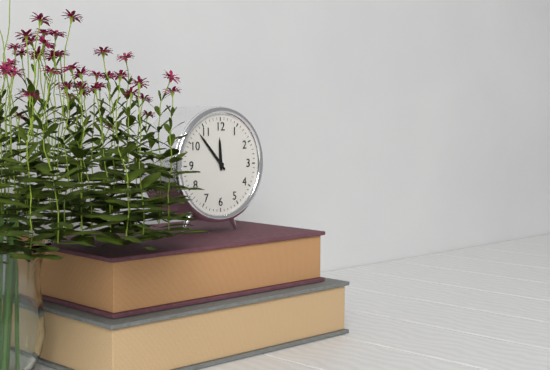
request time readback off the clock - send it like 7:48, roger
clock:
11:53
